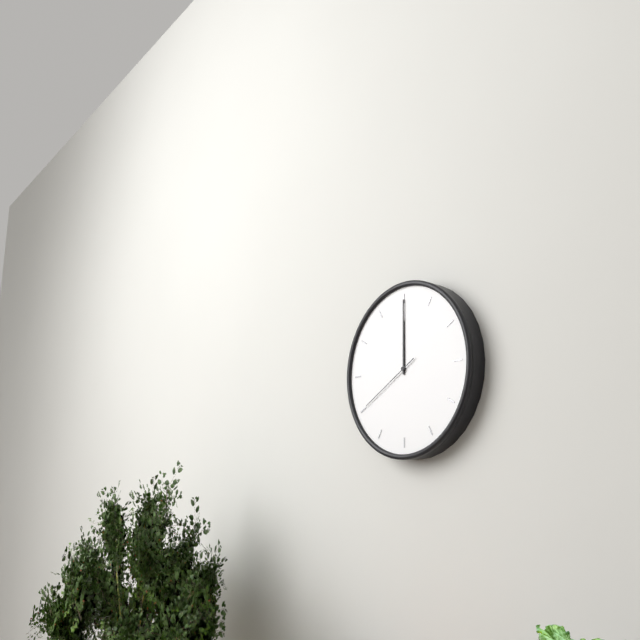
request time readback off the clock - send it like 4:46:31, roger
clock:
12:00:40
